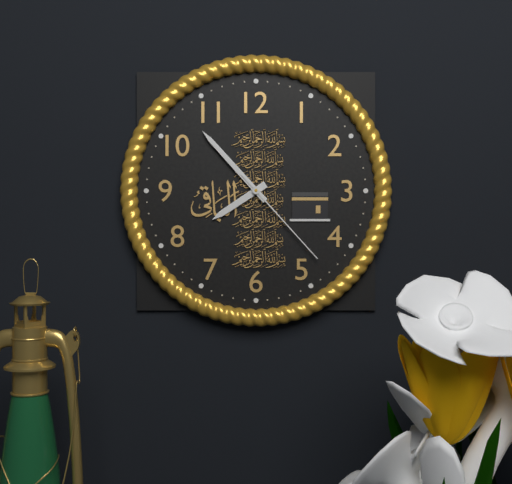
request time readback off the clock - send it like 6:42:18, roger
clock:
7:53:23
